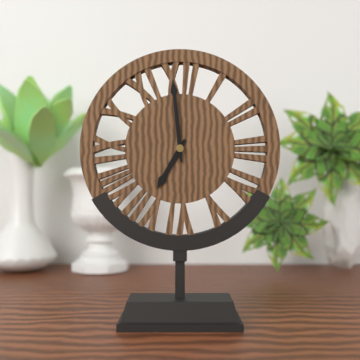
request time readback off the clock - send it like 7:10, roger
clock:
6:59
